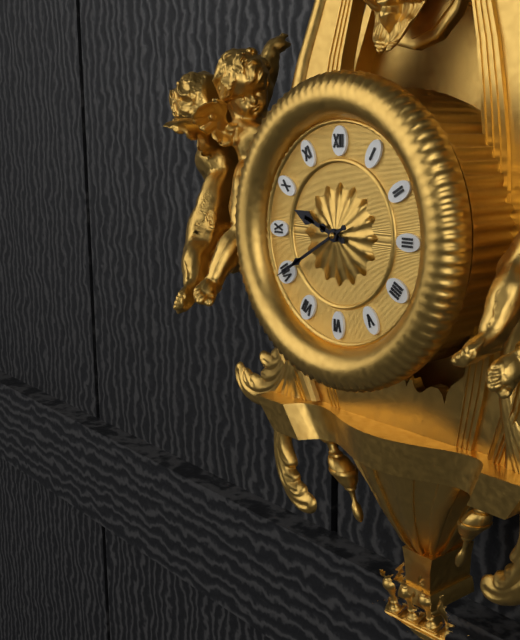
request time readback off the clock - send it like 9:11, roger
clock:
9:40
